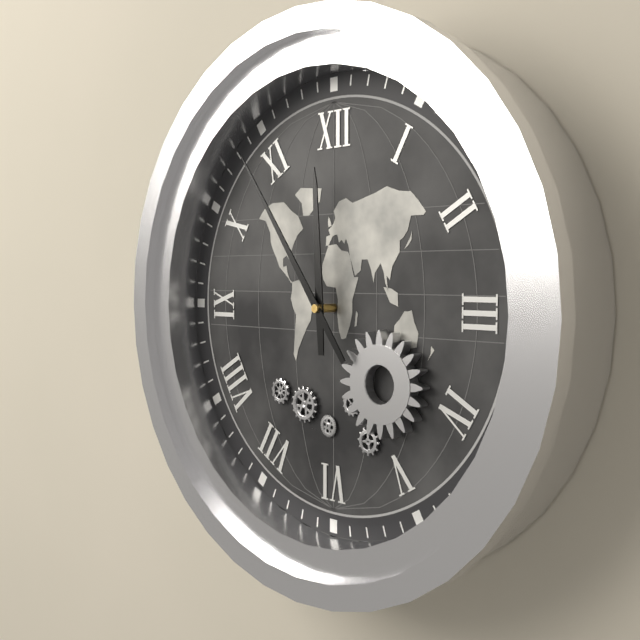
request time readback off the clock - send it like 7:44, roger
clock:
11:54
